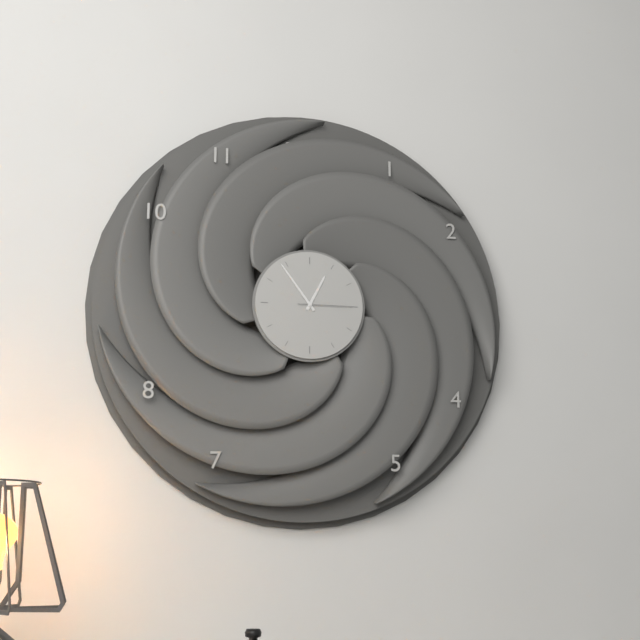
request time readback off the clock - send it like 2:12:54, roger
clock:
12:54:15
